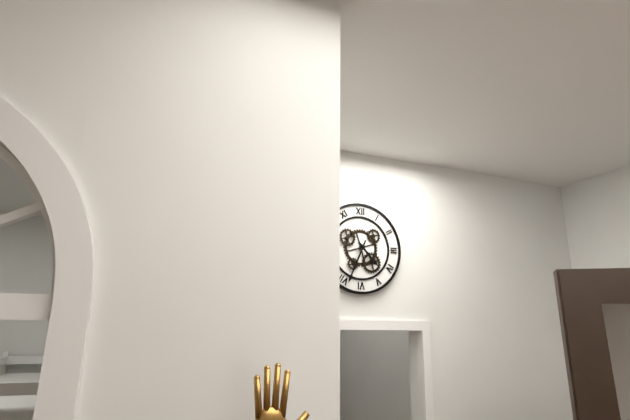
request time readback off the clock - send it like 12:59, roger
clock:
4:34
